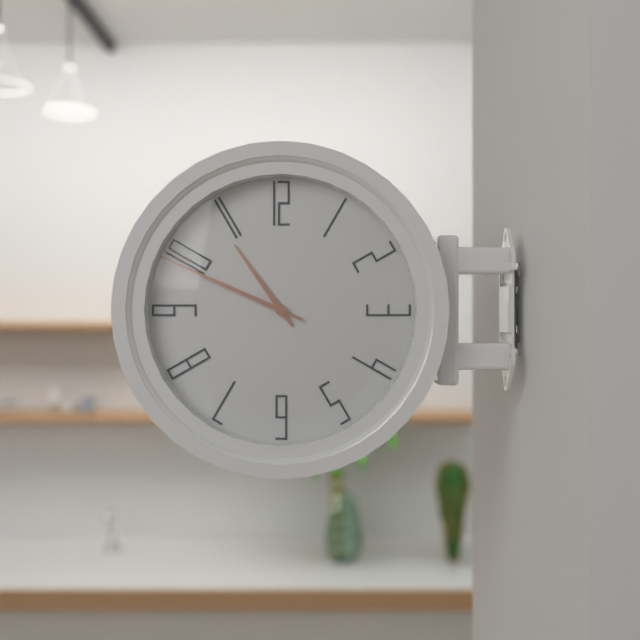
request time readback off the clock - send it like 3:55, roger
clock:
10:49
